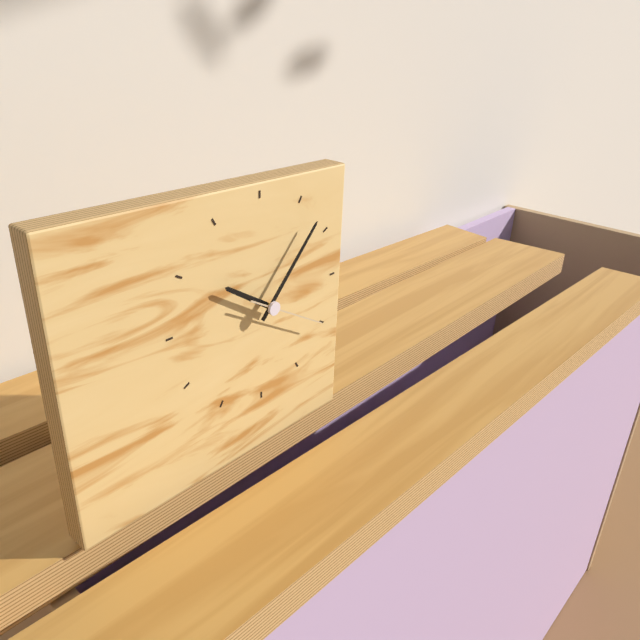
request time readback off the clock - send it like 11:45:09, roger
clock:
10:07:20
